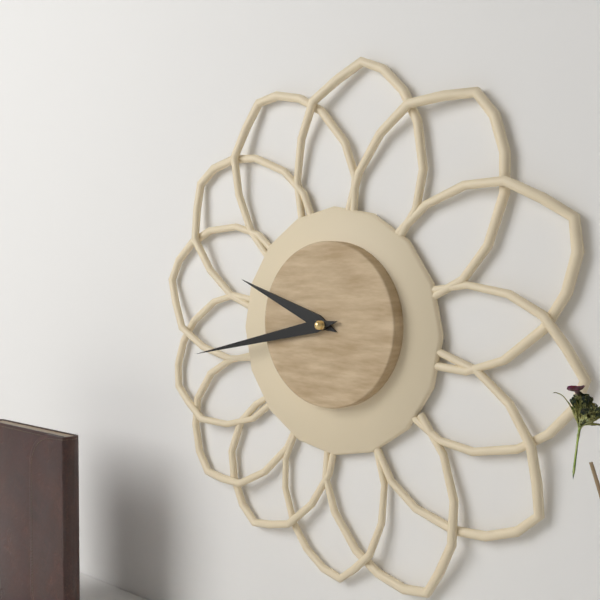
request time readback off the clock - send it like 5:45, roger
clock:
9:43
